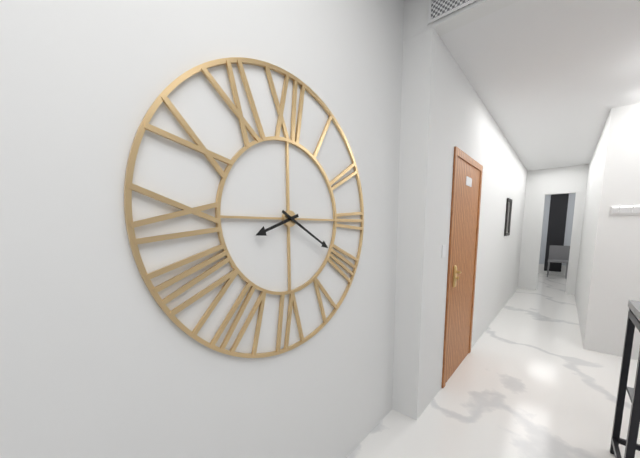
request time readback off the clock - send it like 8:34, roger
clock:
8:20
